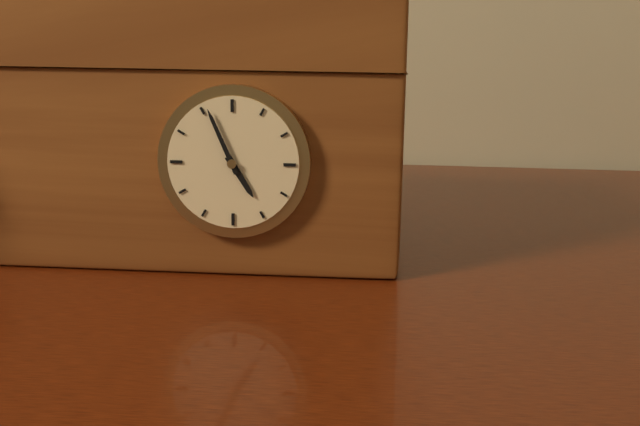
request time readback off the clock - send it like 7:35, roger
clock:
4:56
